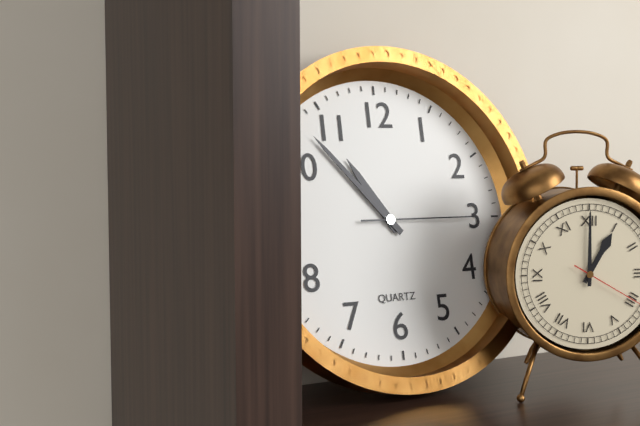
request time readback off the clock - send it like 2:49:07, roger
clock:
10:53:15
